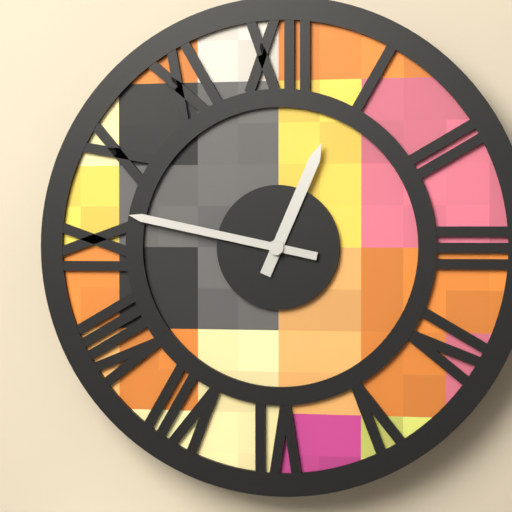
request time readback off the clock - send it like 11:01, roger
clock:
12:47
